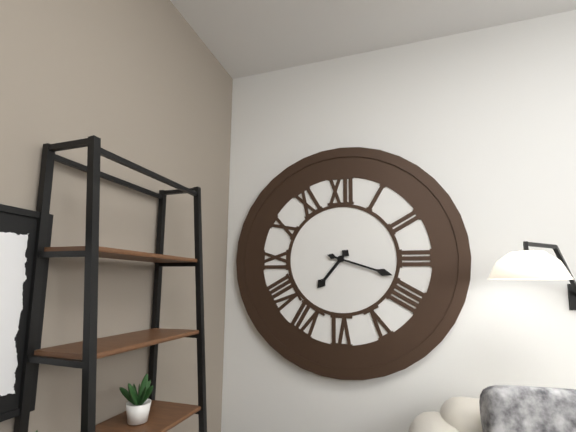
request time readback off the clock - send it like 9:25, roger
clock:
7:18
